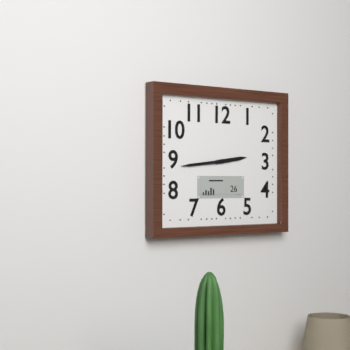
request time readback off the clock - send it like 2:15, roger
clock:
2:44
